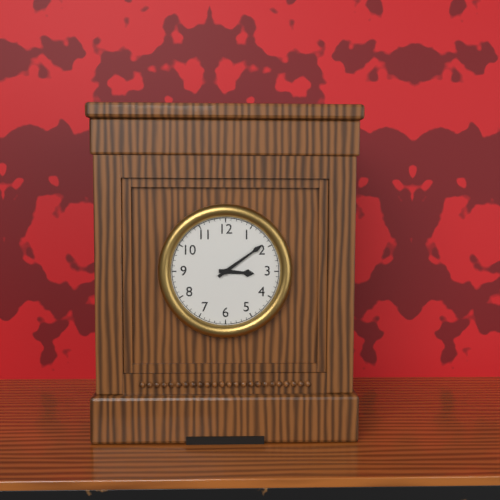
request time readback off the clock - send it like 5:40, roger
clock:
3:09
